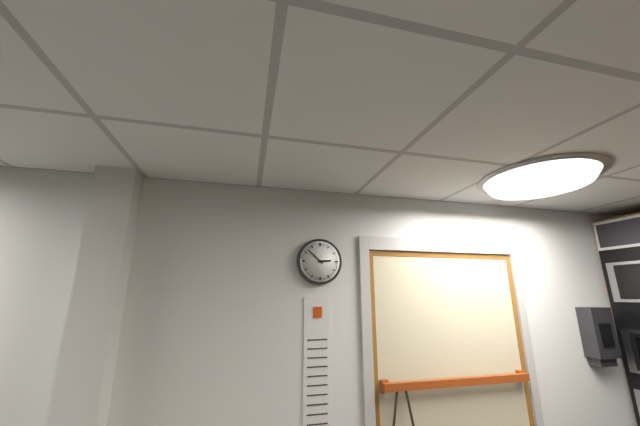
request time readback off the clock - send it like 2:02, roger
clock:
2:52
